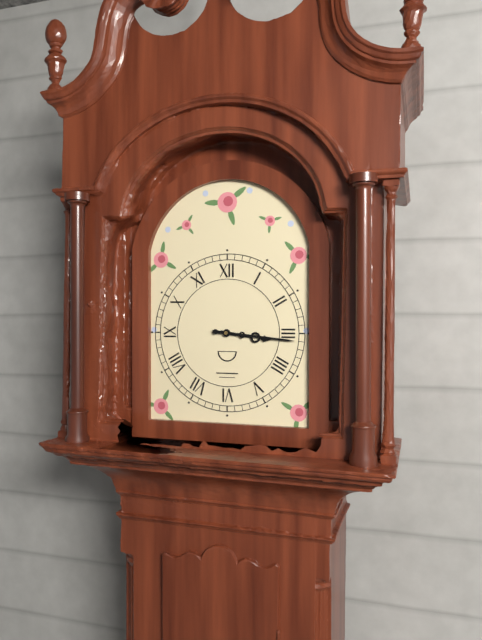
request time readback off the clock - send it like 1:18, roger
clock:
3:16
